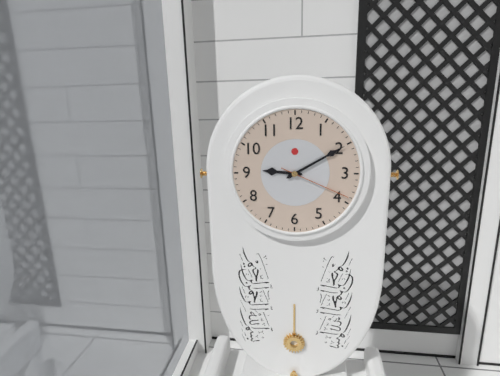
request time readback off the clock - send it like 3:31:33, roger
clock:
9:10:19
